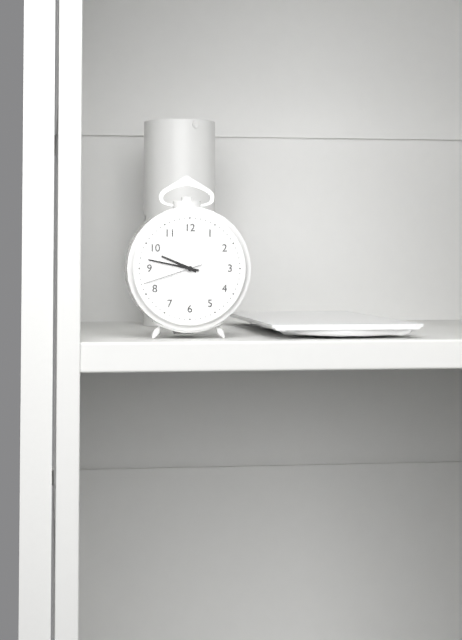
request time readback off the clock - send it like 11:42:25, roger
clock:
9:47:42
